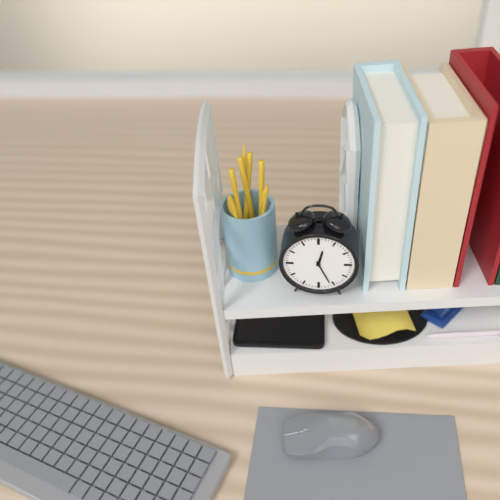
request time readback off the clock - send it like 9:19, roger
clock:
12:26
